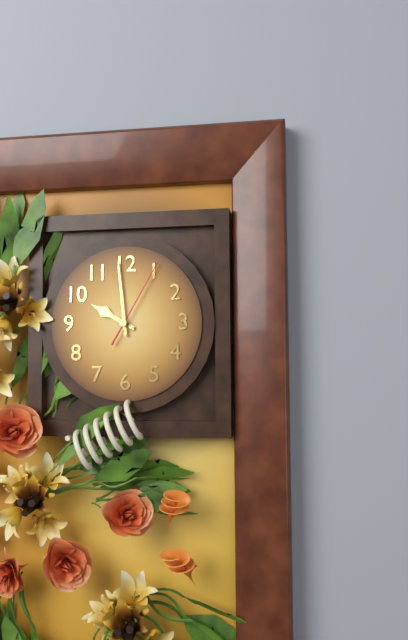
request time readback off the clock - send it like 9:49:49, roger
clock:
9:59:05
